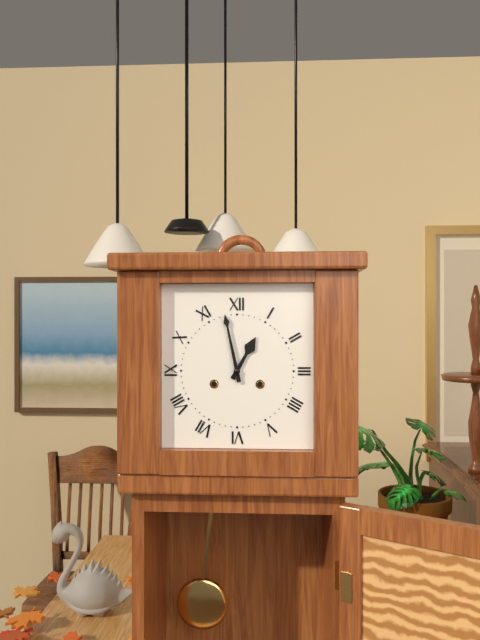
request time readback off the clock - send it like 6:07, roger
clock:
12:58
